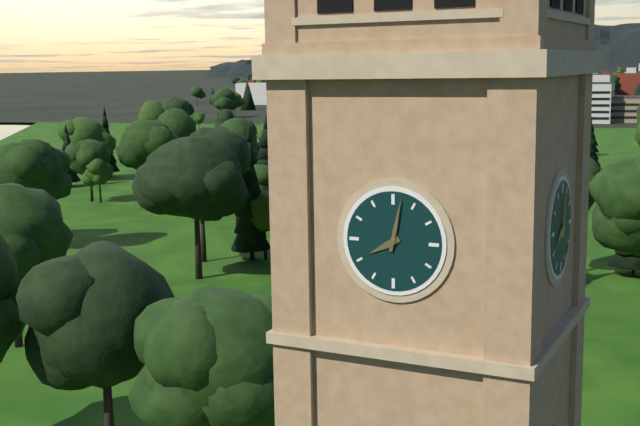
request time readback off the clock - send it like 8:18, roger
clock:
8:02
